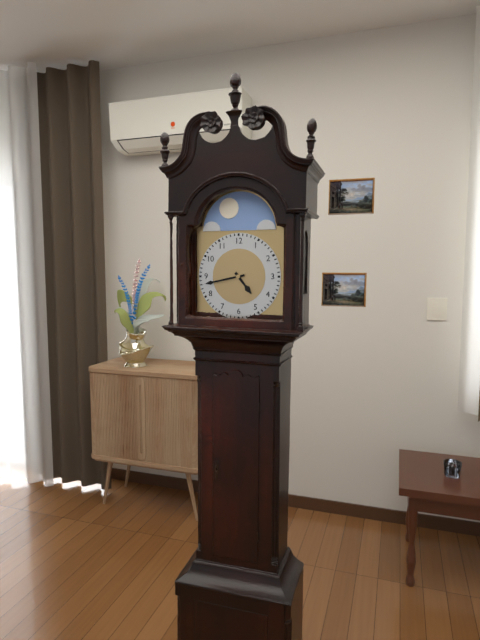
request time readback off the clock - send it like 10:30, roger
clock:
4:43
